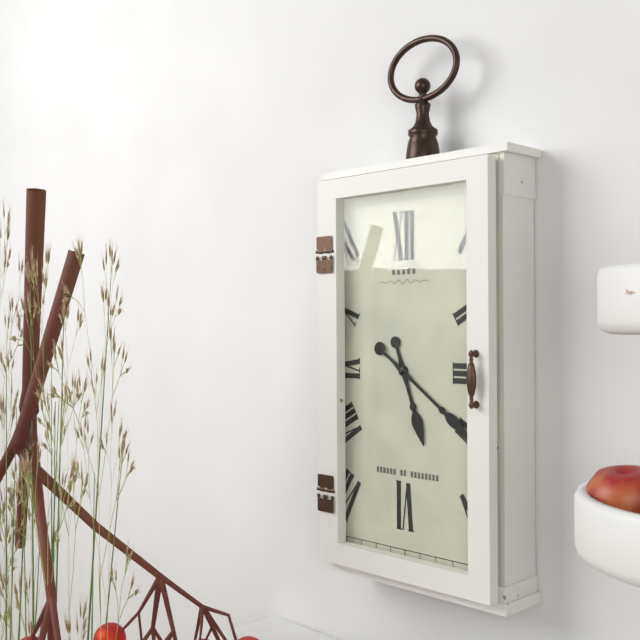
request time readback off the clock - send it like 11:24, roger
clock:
5:21
